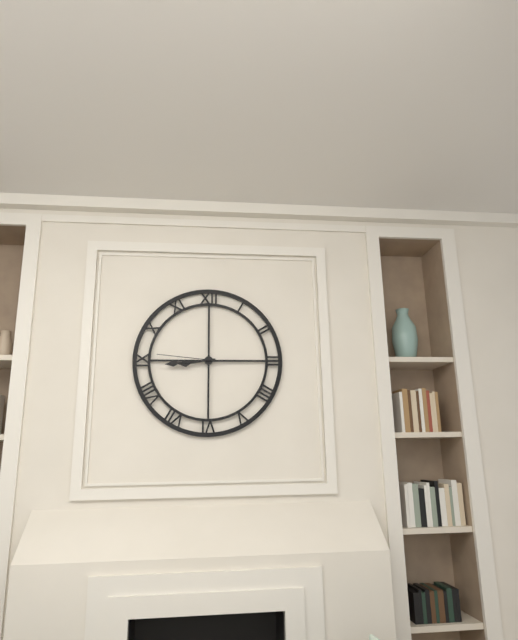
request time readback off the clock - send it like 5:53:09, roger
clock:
8:44:46
